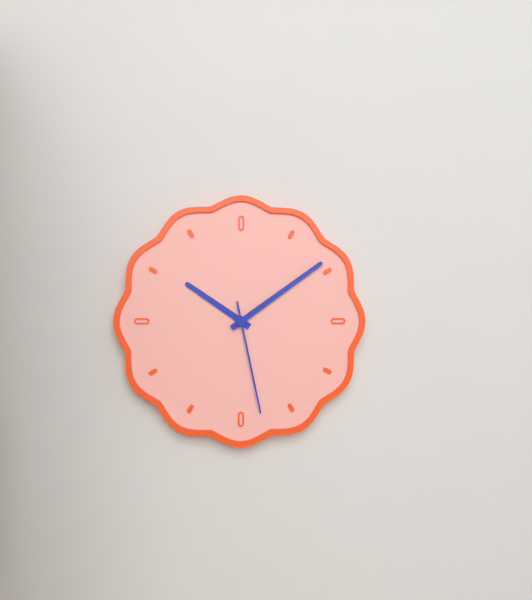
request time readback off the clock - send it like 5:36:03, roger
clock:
10:09:28
